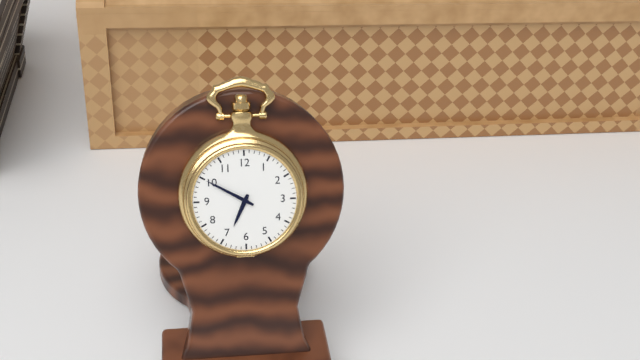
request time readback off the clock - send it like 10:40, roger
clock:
6:50
